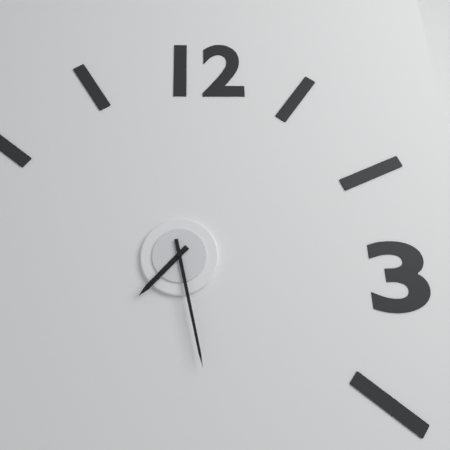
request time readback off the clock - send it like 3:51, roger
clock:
7:28
